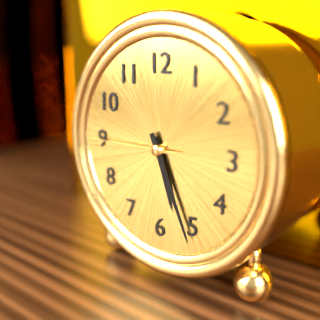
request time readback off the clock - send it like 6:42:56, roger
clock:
5:26:45
